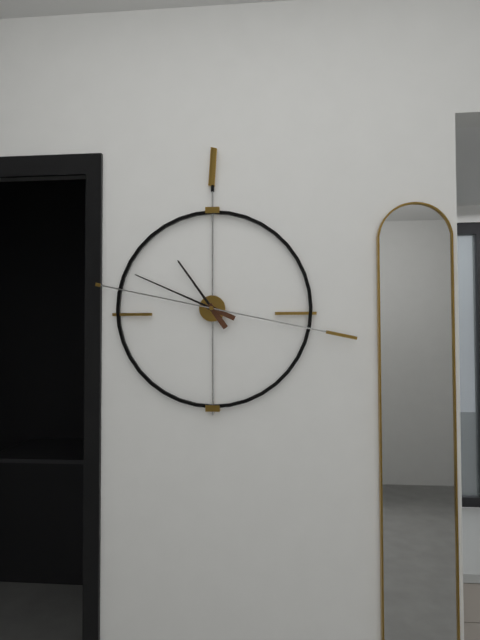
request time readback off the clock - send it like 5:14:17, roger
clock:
10:49:17
